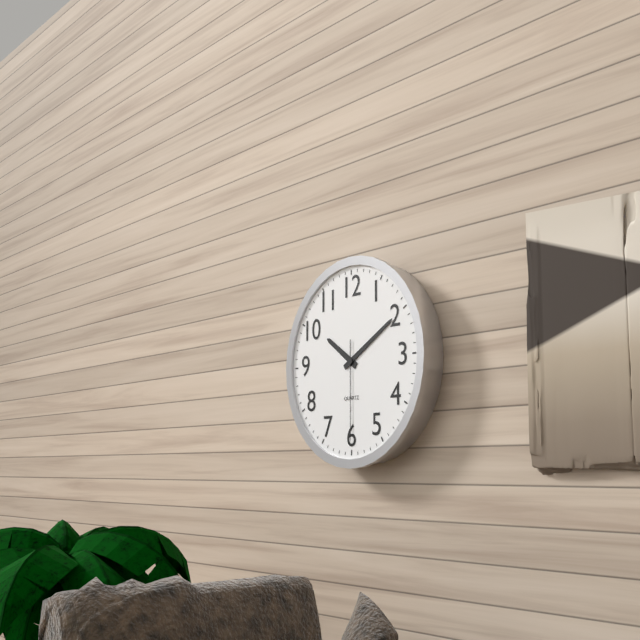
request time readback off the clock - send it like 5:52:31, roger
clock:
10:10:30
